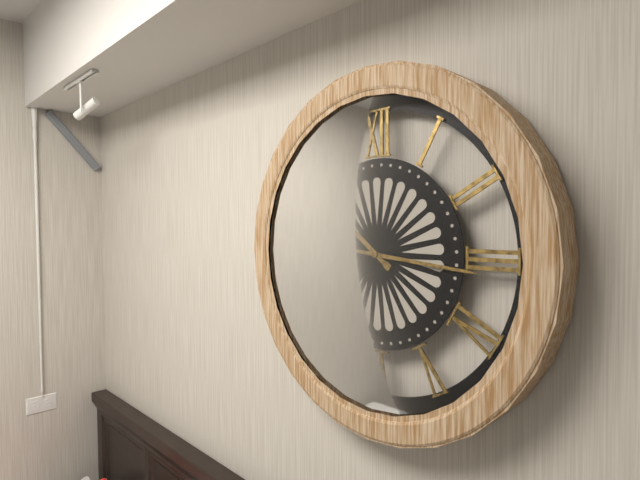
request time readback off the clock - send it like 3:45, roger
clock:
10:16
